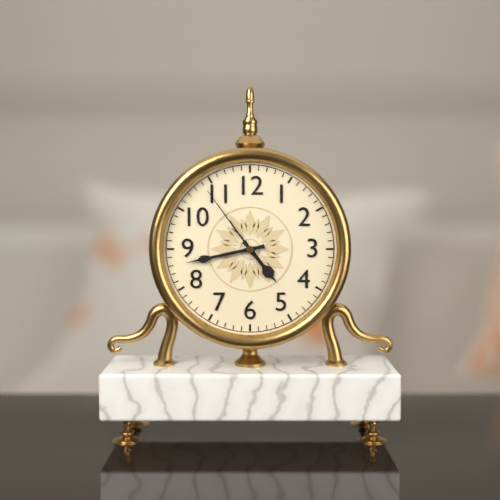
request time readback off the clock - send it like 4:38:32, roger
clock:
4:43:54
